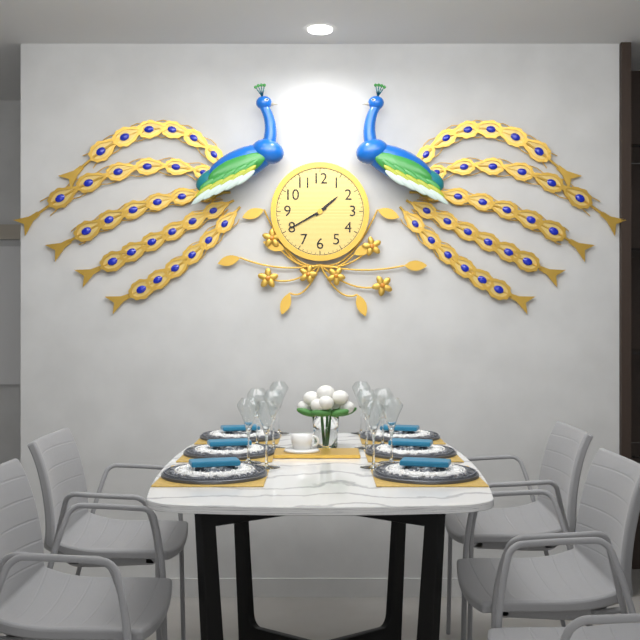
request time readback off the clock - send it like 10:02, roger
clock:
1:40
